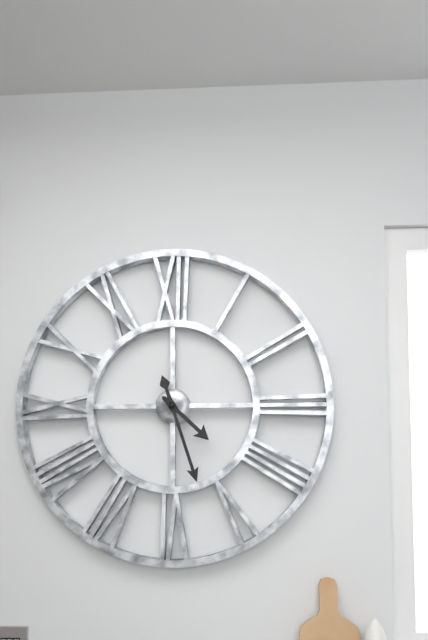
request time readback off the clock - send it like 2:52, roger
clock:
4:27
